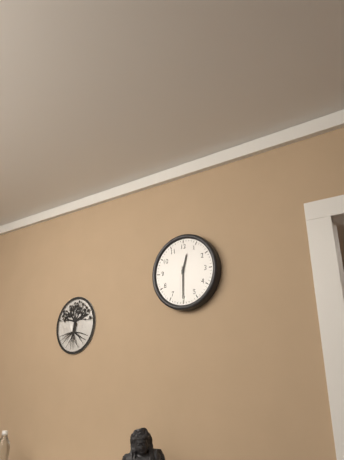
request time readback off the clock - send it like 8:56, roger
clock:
12:30
